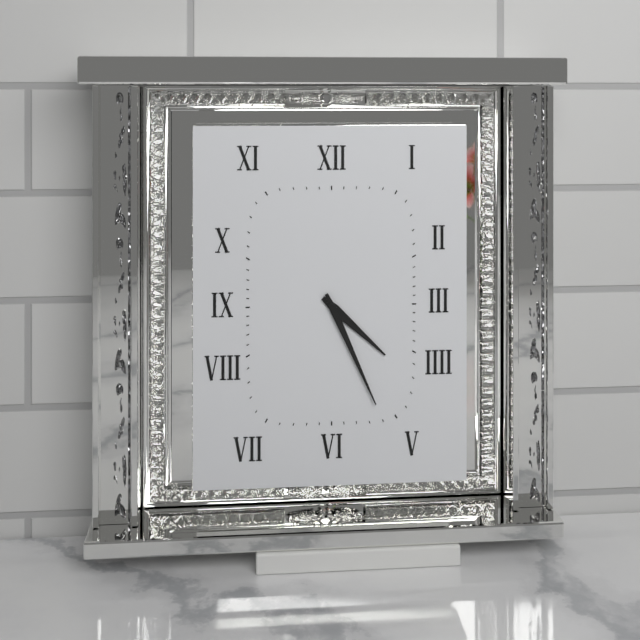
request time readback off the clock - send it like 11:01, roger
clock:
4:26
